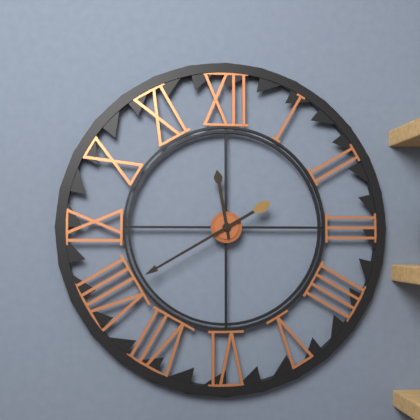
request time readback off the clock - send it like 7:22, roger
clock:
11:40
